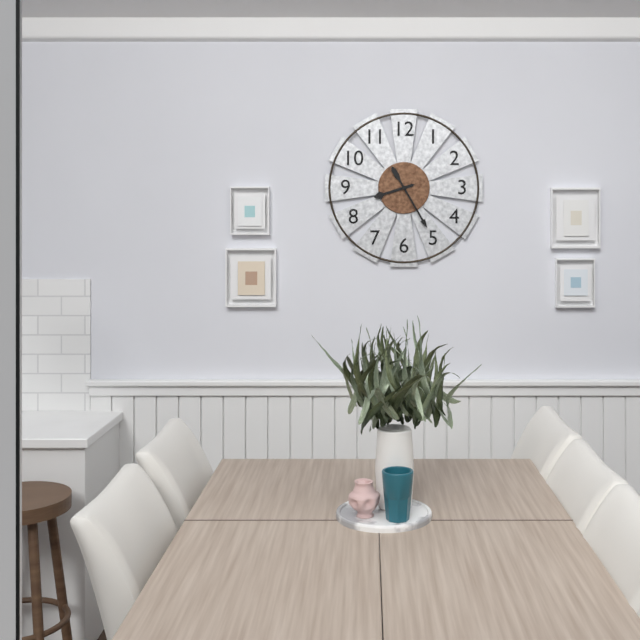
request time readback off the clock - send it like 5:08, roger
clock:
8:25
